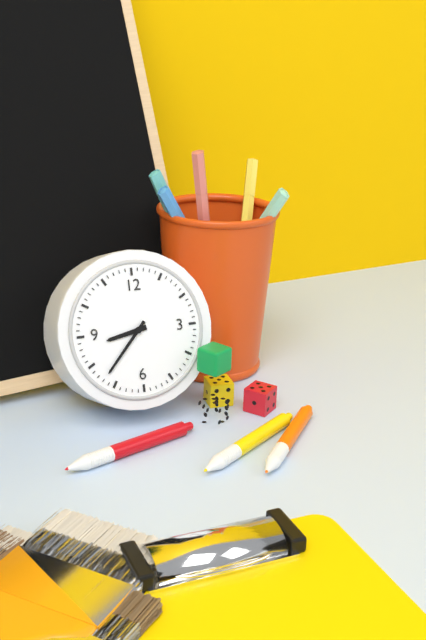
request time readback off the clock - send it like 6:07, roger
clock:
8:37
